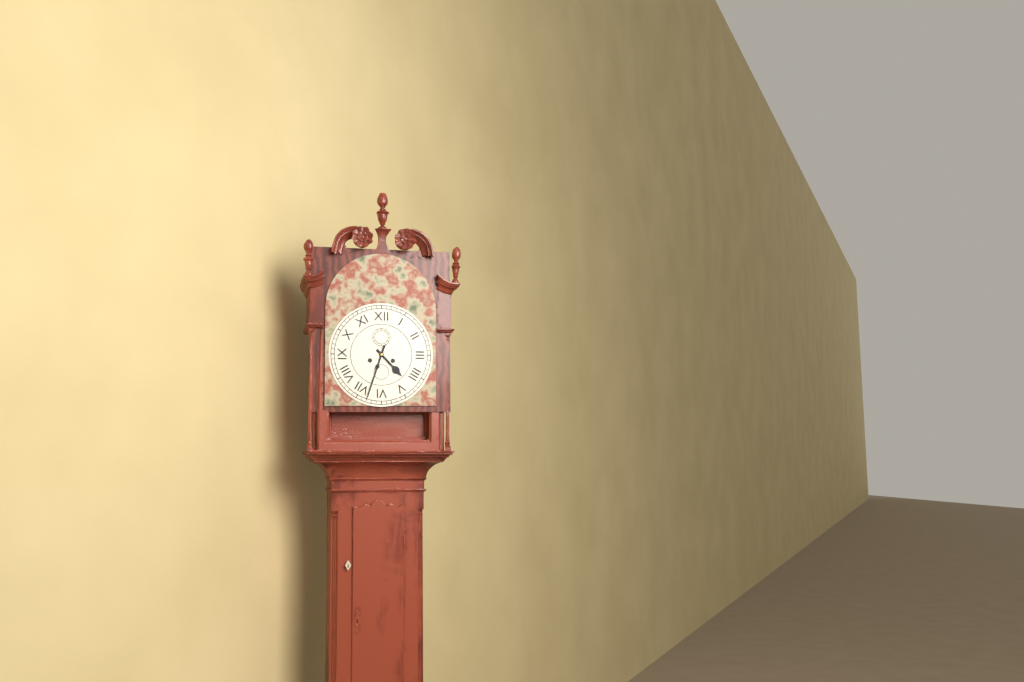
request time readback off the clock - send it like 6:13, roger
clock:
4:33
